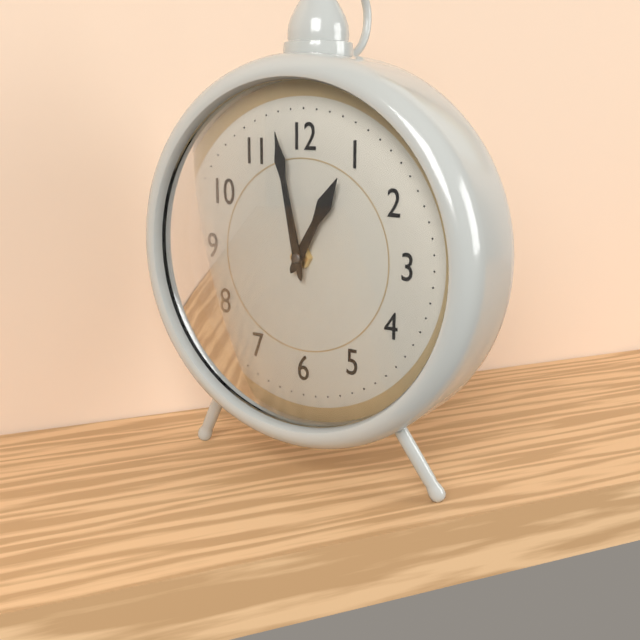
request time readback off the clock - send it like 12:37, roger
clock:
12:58
